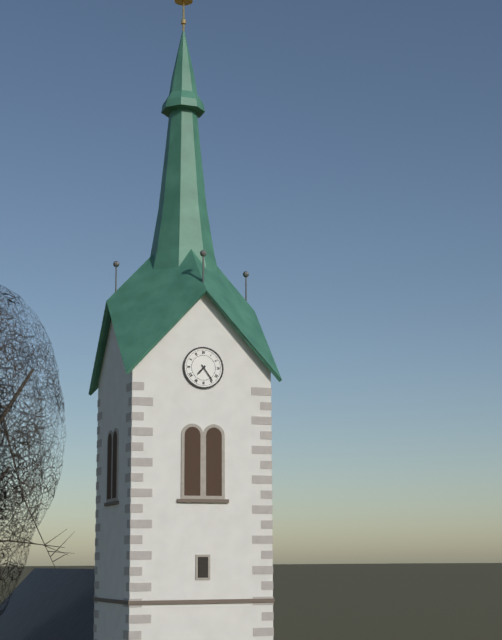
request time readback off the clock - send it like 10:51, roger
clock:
7:24
